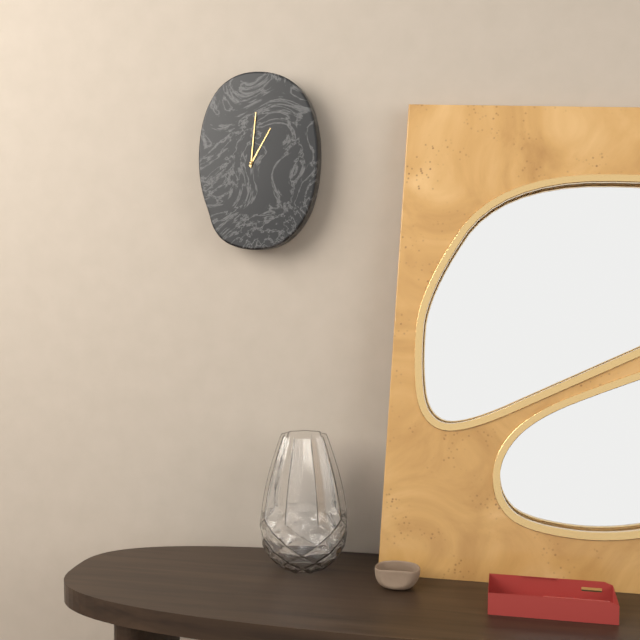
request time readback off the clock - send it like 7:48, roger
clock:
1:01
